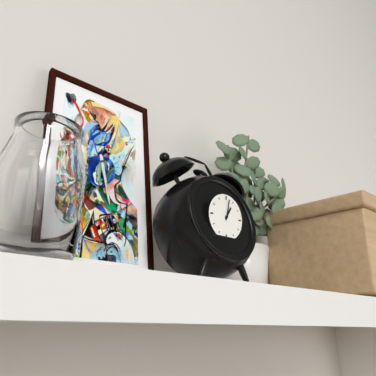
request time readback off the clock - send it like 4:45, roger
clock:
1:02
